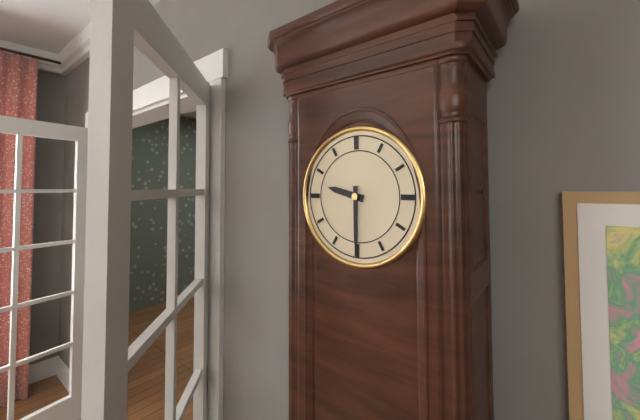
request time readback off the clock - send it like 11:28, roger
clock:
9:30
